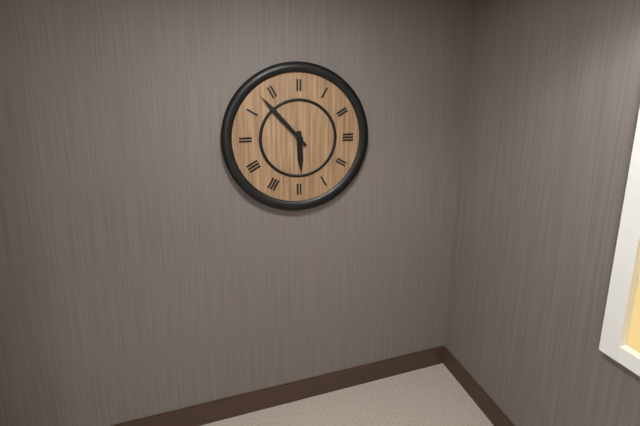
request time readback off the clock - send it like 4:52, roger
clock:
5:53
